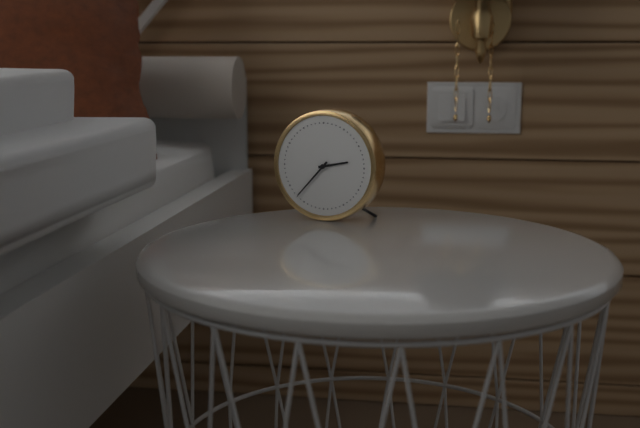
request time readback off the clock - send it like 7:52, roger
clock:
2:37
